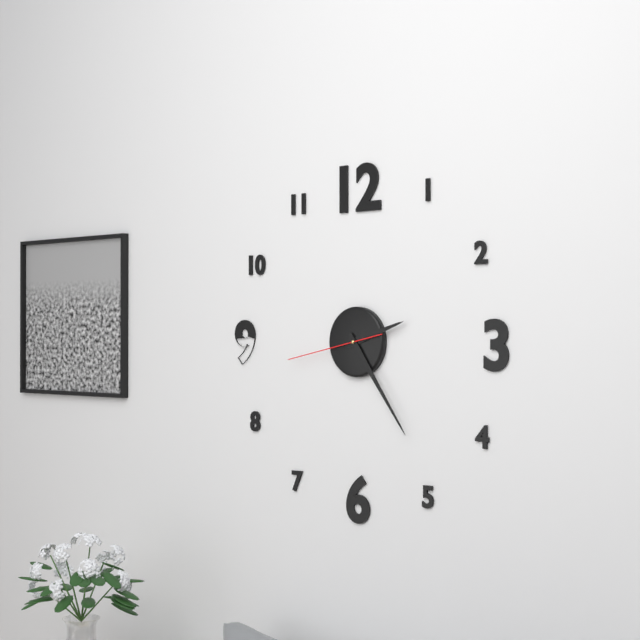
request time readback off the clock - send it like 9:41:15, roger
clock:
2:24:43
